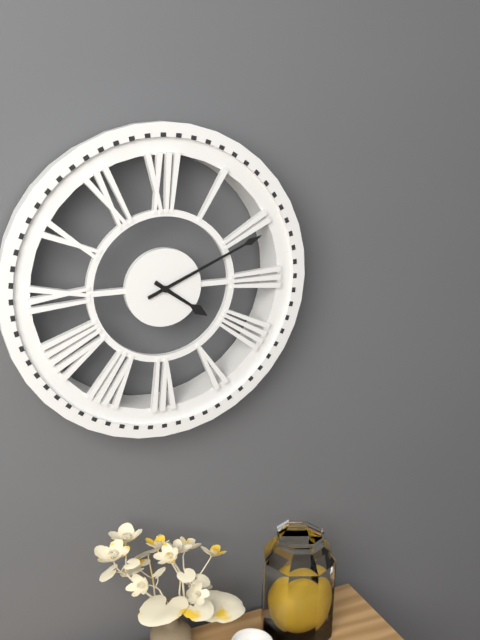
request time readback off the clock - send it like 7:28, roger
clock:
4:11
